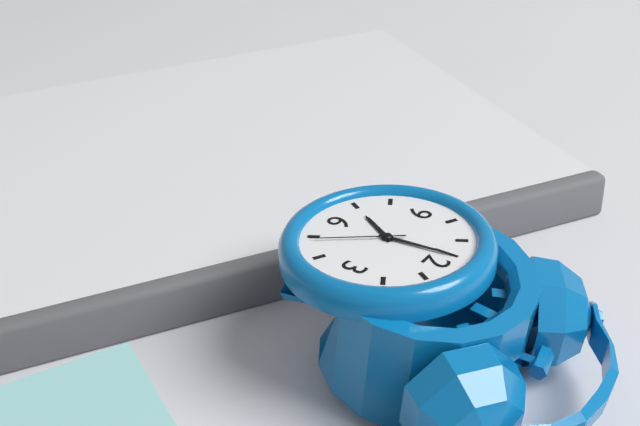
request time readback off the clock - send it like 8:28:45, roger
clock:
6:59:24
